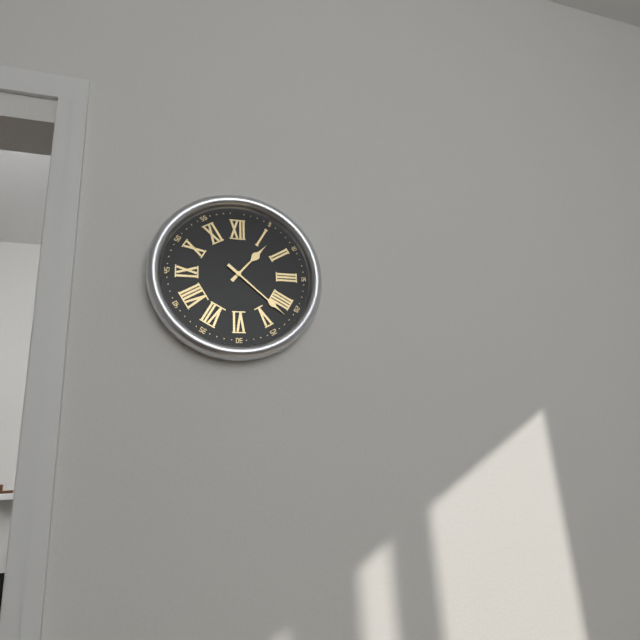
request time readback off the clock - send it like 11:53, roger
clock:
1:22
